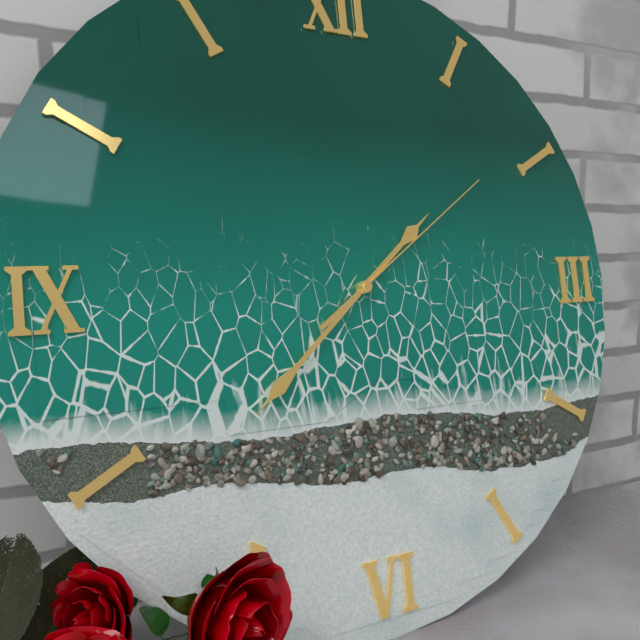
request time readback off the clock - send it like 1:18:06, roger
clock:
1:38:09
